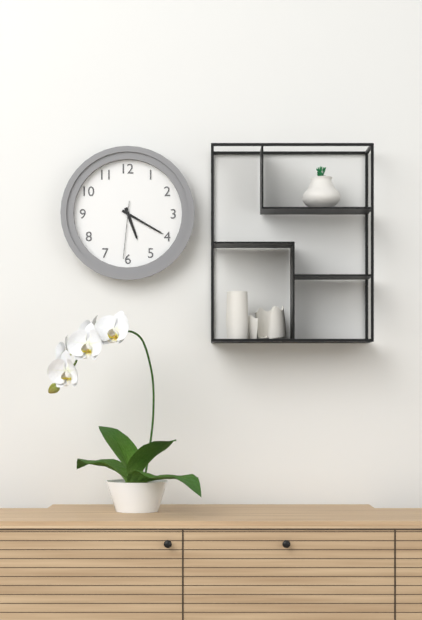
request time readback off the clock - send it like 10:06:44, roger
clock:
5:20:31
